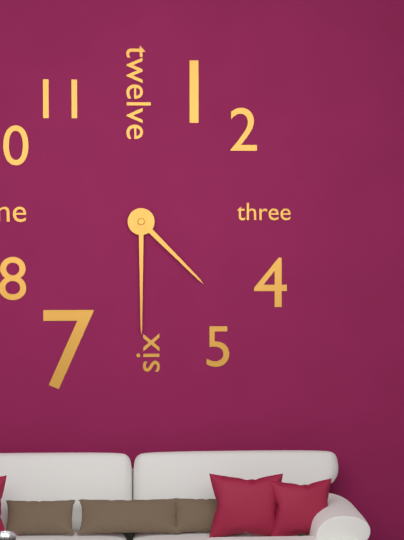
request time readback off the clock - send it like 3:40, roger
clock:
4:30
